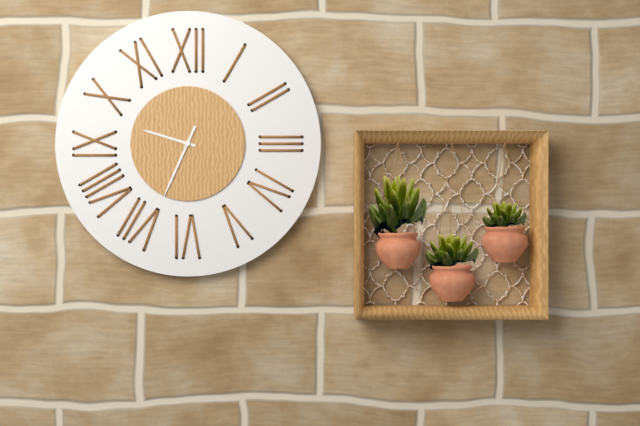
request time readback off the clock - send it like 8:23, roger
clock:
9:34
